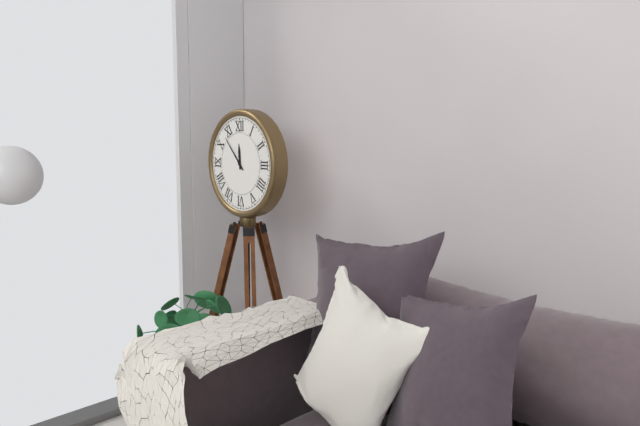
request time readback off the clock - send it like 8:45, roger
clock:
11:53
